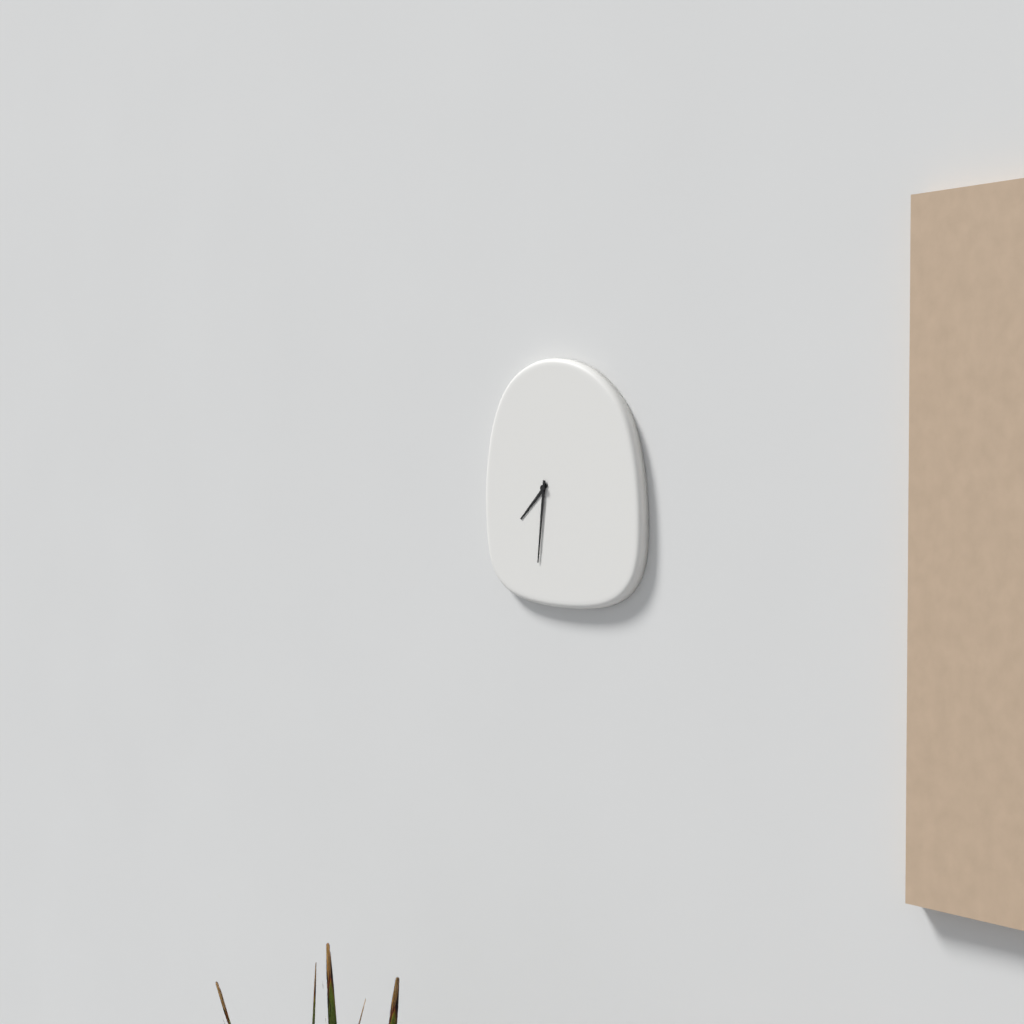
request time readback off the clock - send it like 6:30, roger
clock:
7:31
